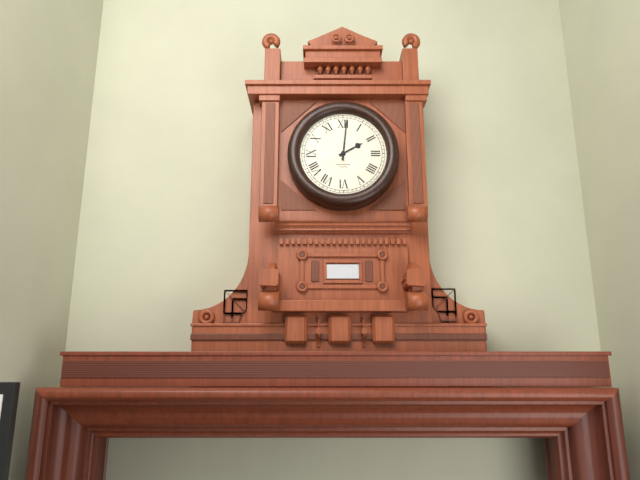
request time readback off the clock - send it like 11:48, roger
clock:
2:01
